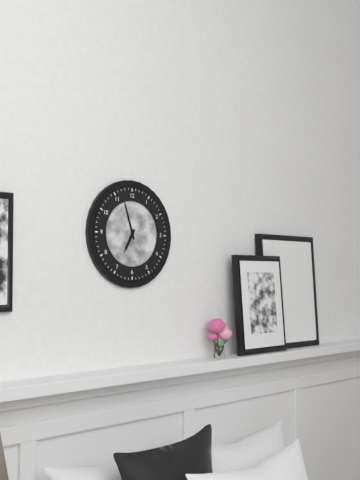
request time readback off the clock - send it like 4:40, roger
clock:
6:57
